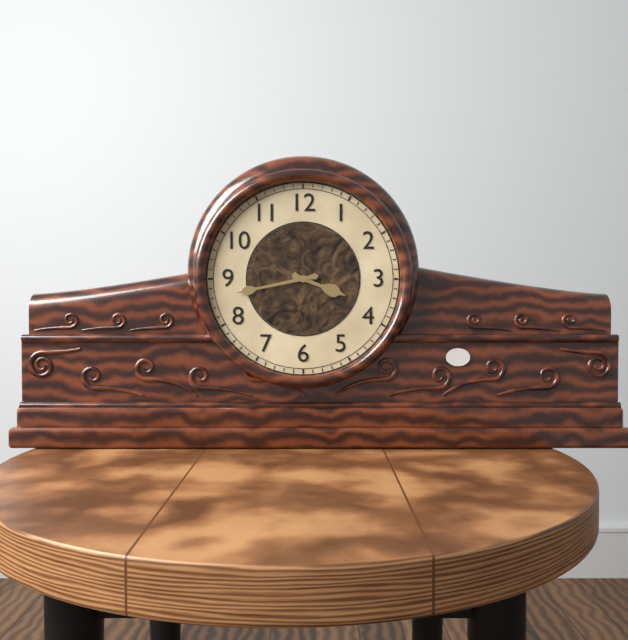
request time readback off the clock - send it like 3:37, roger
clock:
3:43
